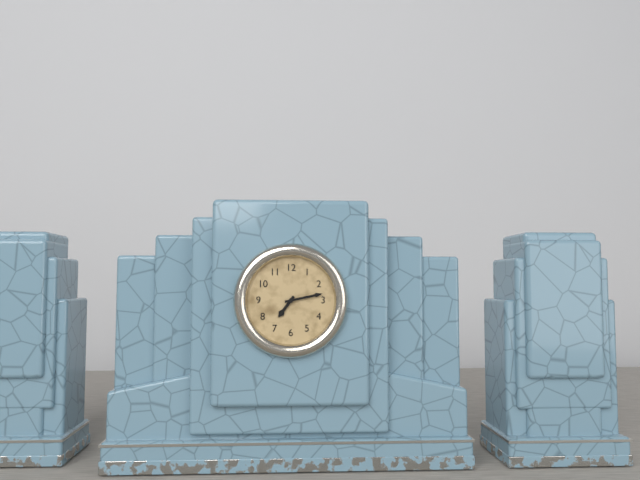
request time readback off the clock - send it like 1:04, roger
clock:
7:13
